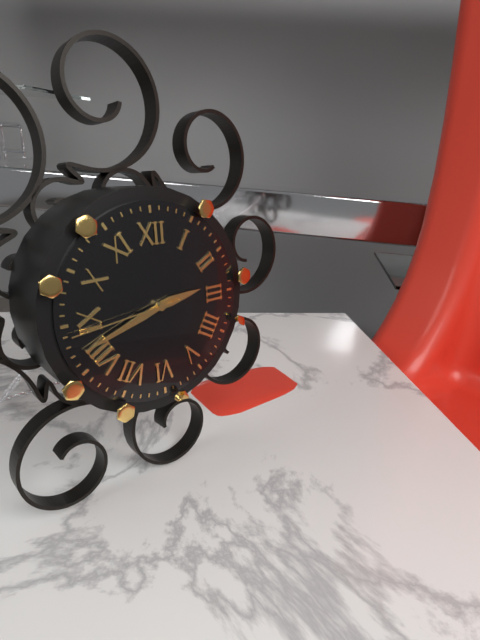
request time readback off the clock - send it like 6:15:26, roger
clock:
2:42:44
